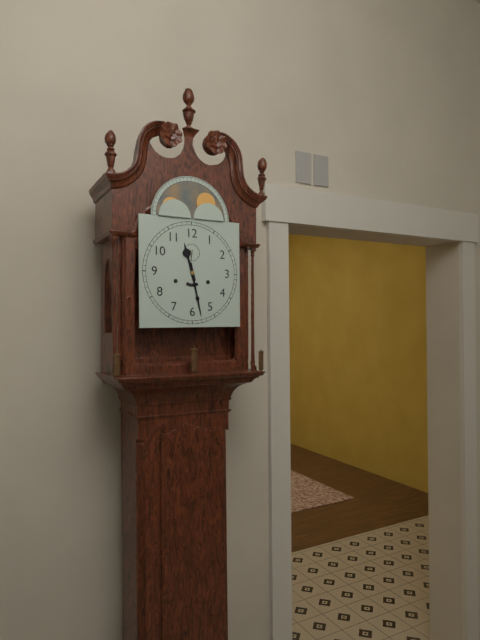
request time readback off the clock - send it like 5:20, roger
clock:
11:28
